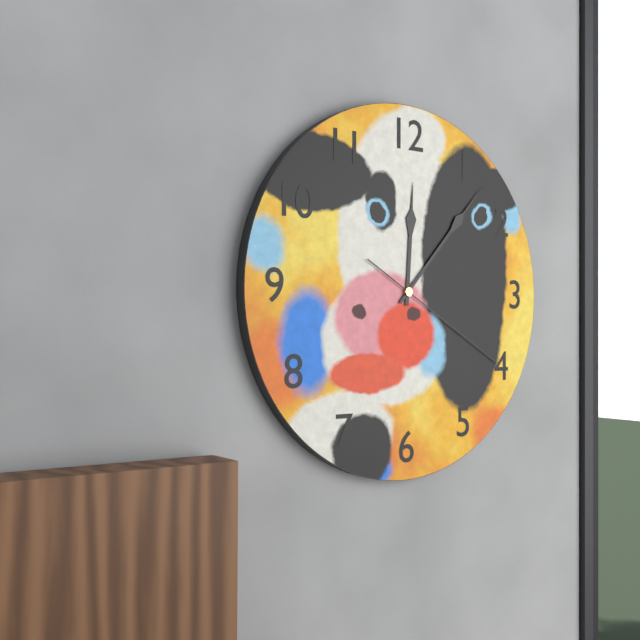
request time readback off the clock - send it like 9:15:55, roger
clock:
12:07:20
